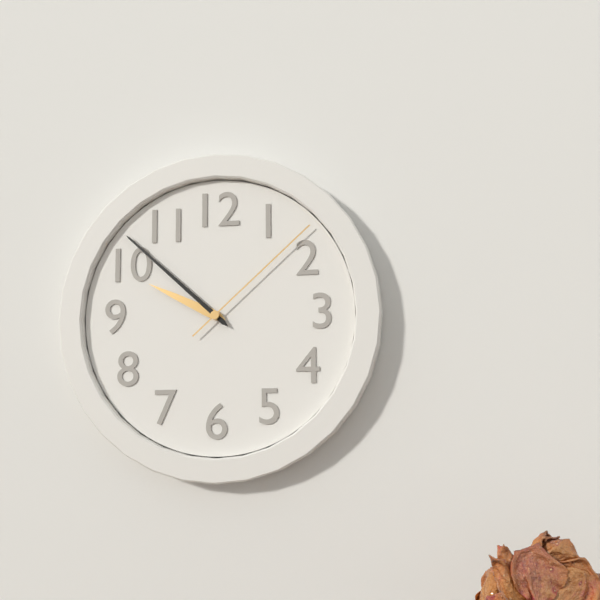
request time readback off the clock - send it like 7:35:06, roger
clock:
9:52:08
